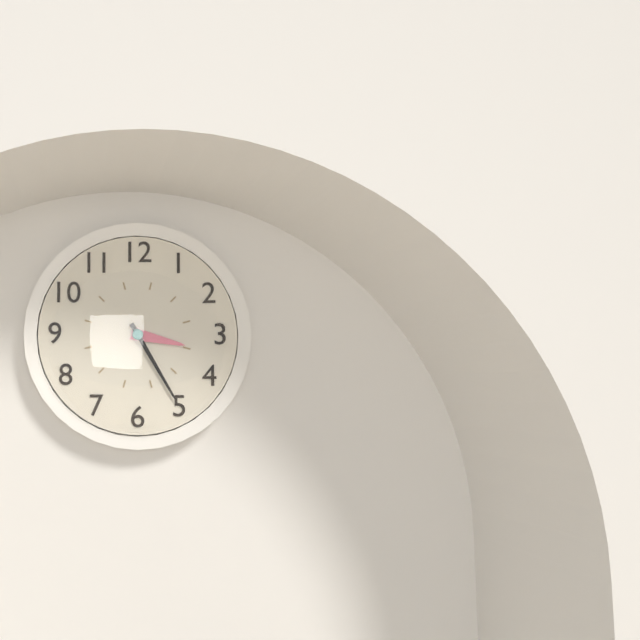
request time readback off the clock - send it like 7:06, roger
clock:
3:25
